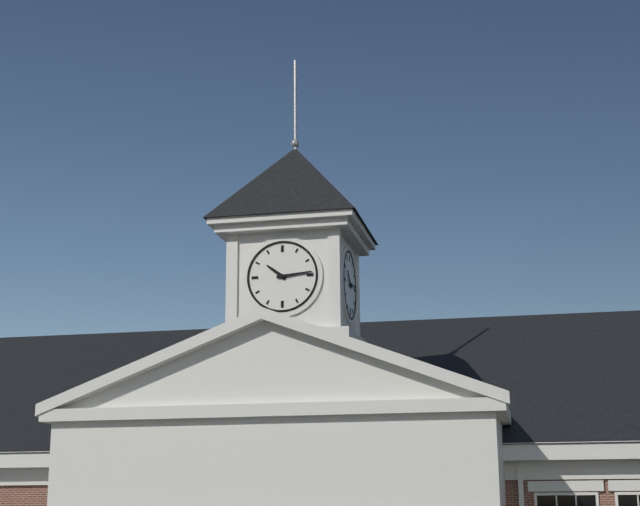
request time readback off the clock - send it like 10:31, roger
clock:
10:14
